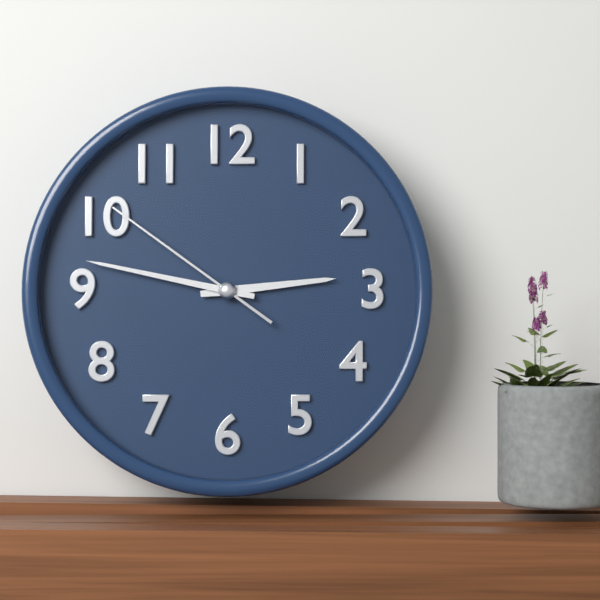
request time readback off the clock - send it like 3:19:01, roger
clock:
2:47:51
